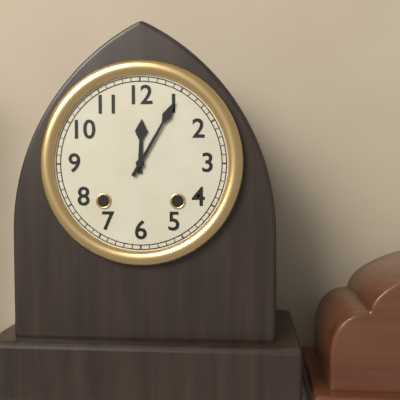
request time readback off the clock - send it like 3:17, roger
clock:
12:05
